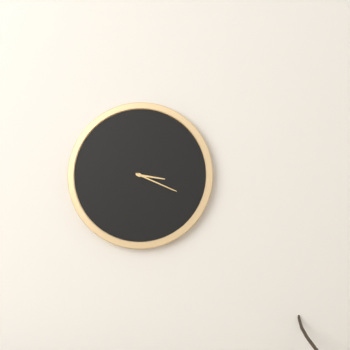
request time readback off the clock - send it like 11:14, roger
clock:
3:19
